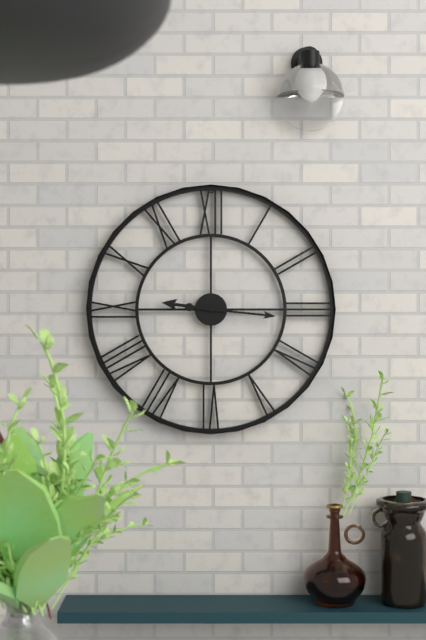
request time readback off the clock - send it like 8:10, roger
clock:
9:16
